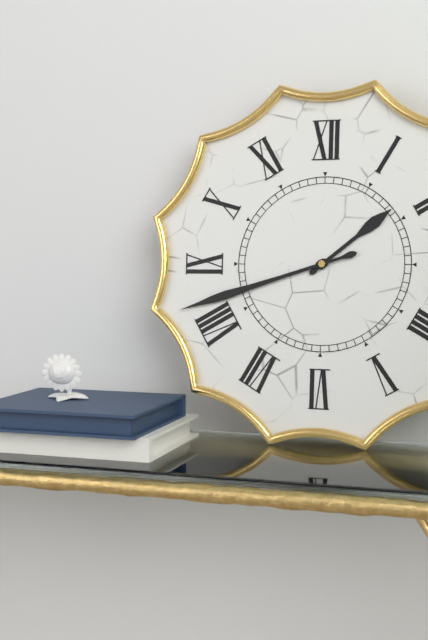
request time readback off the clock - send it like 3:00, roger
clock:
1:42
